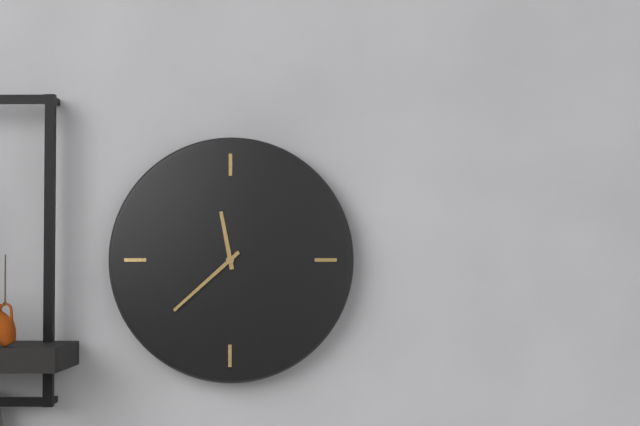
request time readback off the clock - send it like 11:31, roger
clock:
11:38
